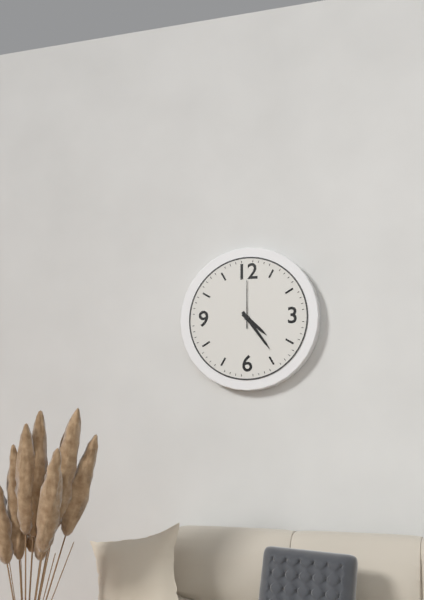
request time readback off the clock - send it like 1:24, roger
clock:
4:24
